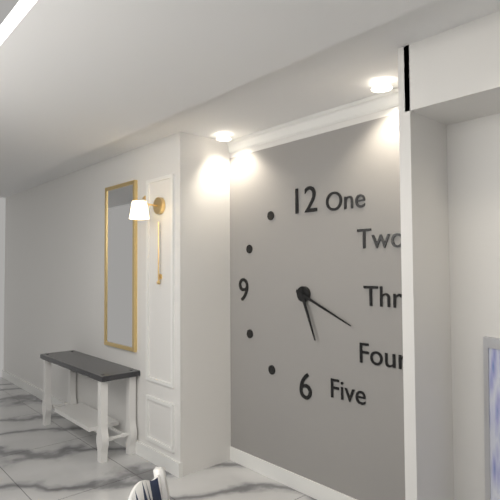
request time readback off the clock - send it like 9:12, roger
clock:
5:19
